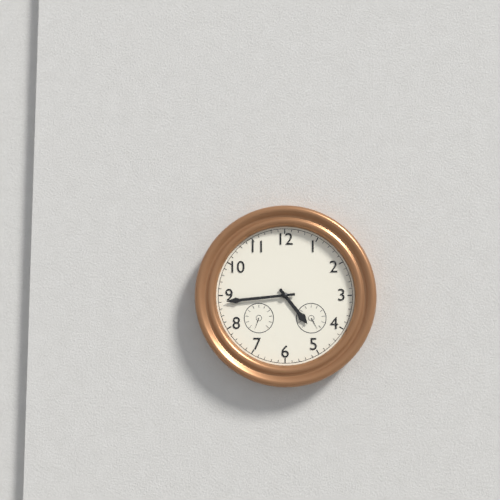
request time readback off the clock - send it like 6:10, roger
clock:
4:44
